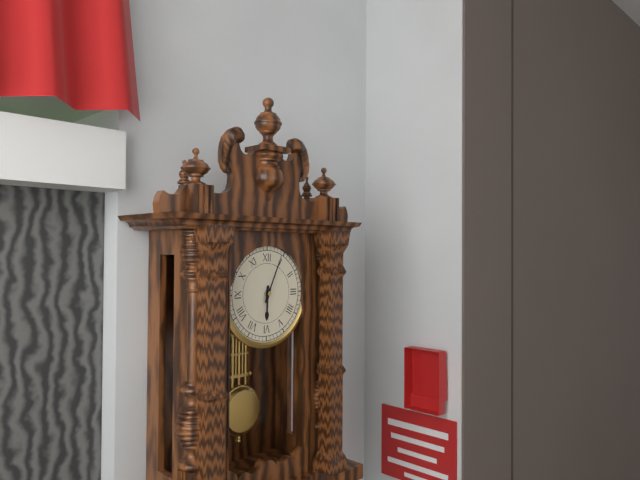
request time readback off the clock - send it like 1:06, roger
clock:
6:04
